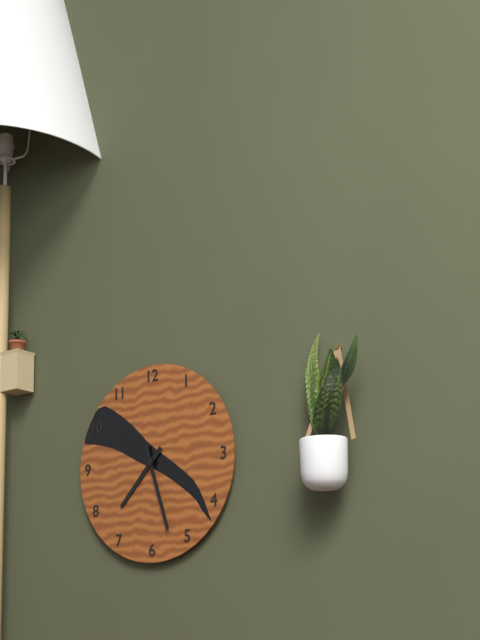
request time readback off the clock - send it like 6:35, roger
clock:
7:27
